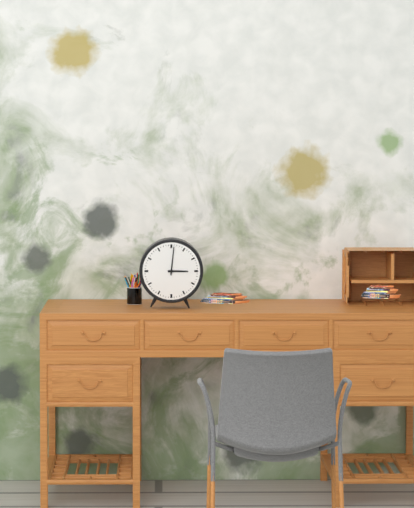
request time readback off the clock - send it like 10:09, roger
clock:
3:01
